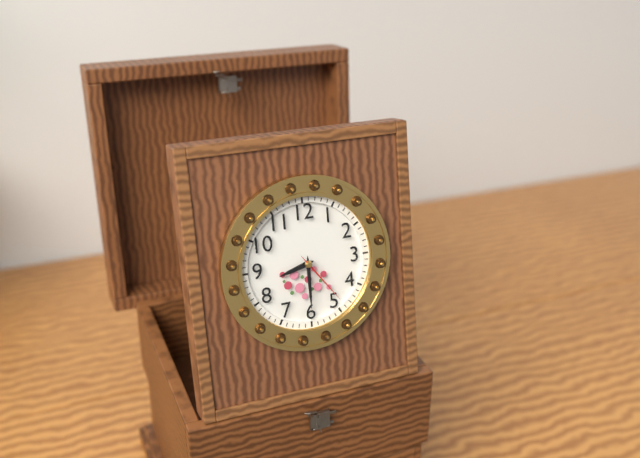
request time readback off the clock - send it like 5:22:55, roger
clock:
8:30:24
